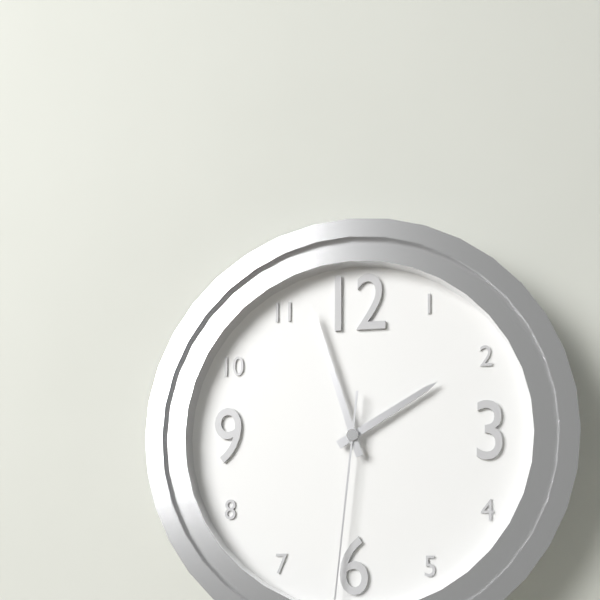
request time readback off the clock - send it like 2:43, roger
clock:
1:57
